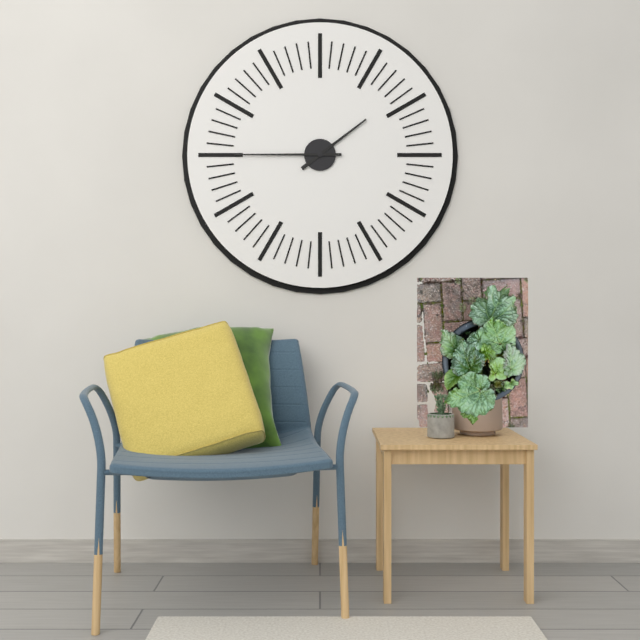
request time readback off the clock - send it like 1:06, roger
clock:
1:45
